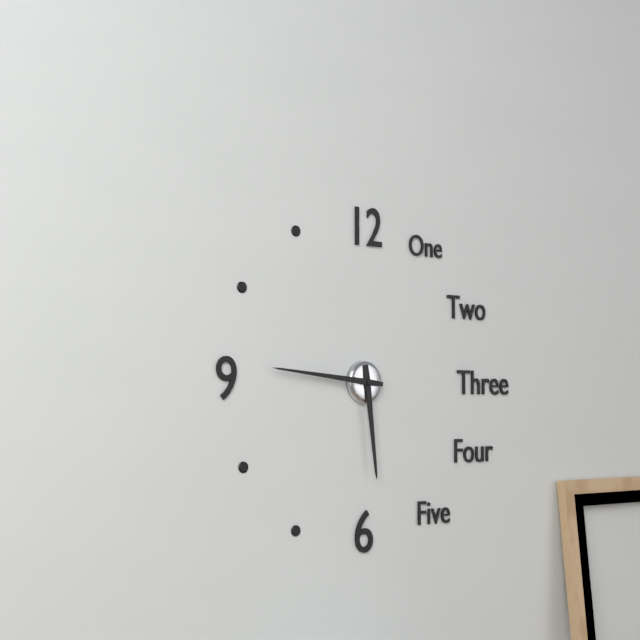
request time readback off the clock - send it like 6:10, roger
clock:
5:46
